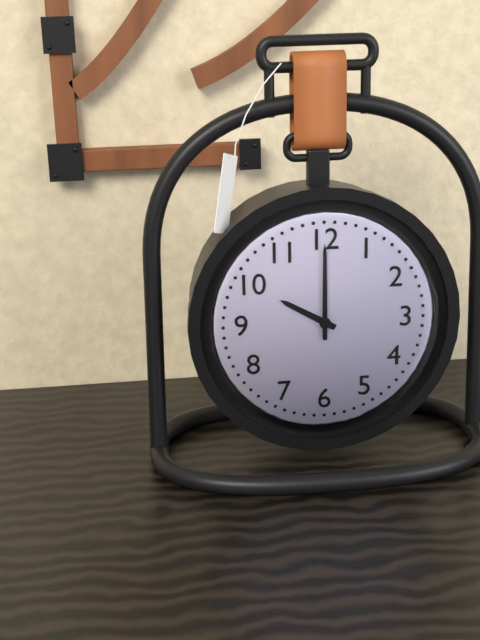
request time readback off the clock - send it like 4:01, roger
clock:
10:00
